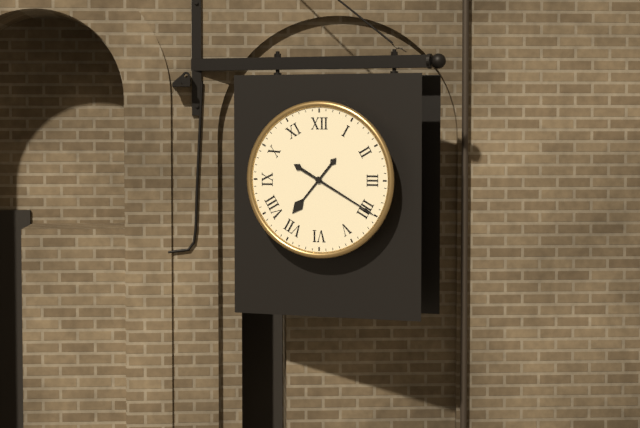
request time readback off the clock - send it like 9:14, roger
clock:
7:20
